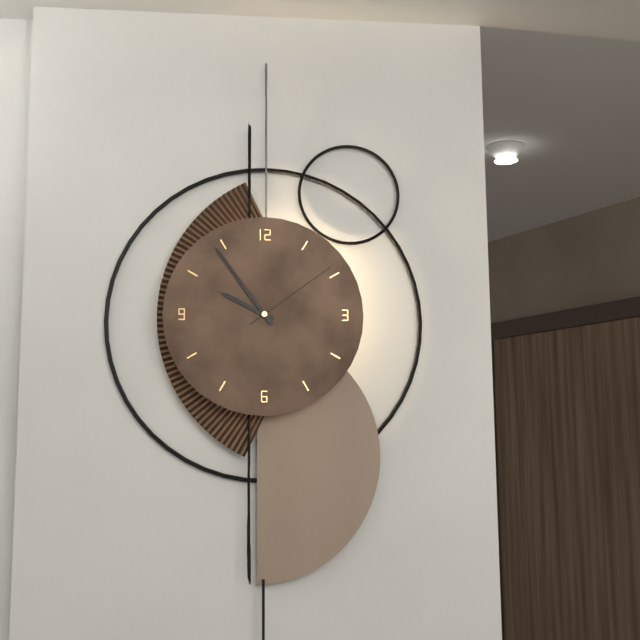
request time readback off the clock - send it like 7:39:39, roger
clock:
9:54:09
